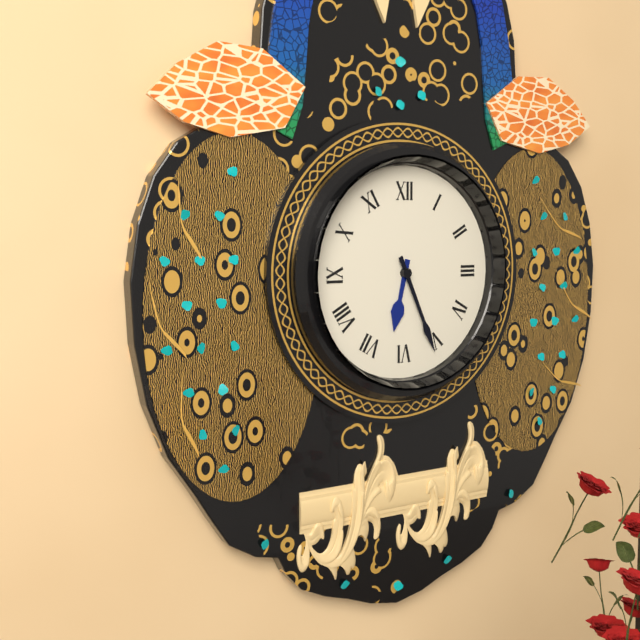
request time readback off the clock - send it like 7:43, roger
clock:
6:26
